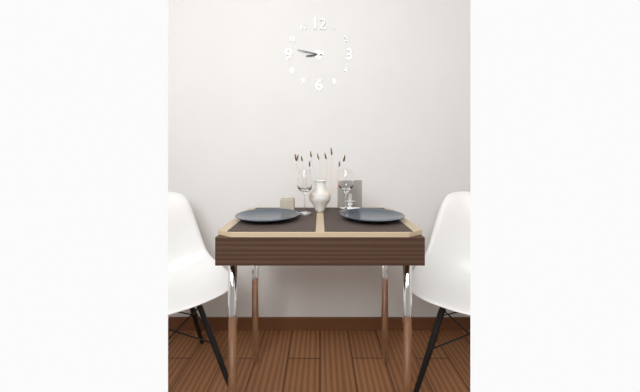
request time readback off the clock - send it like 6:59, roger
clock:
8:47
